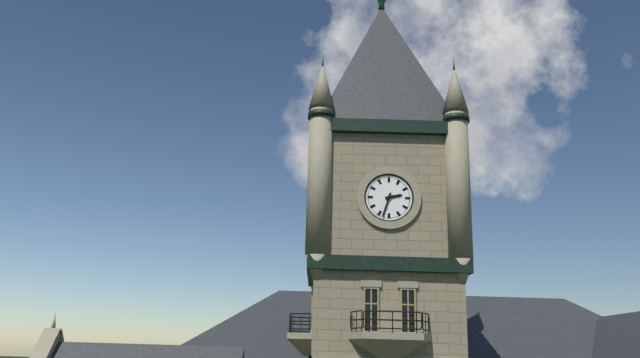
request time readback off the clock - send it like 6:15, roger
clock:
2:33
